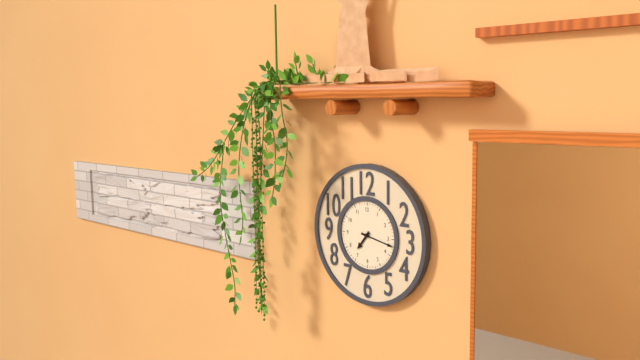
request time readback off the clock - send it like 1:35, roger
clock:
7:17
